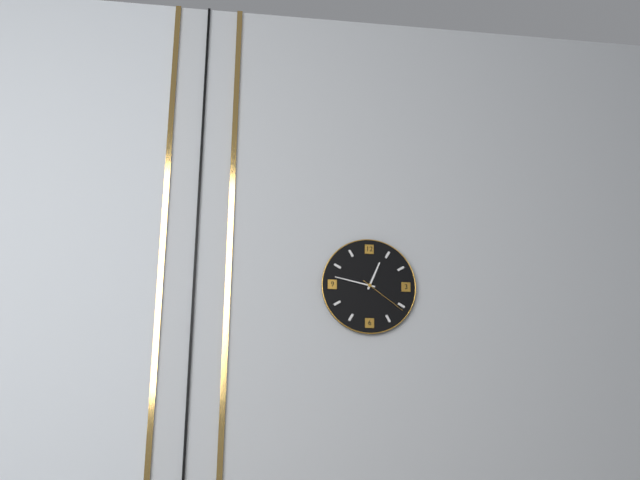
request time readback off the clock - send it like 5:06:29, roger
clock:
12:47:21
